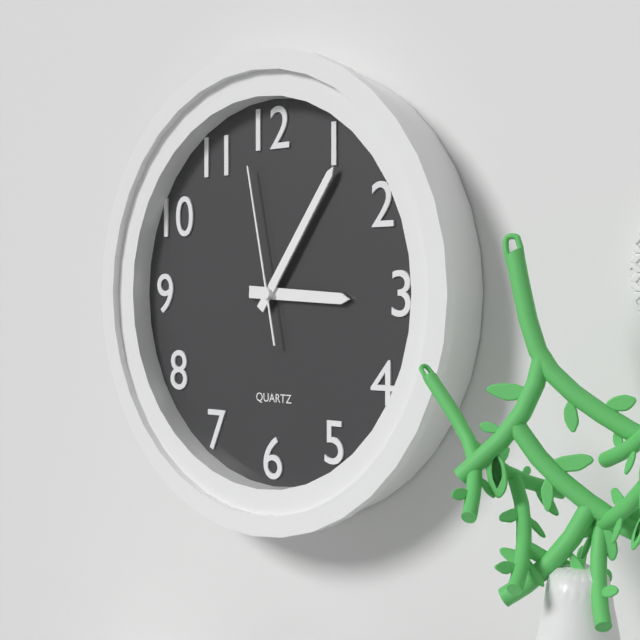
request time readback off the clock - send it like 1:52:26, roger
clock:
3:06:58
